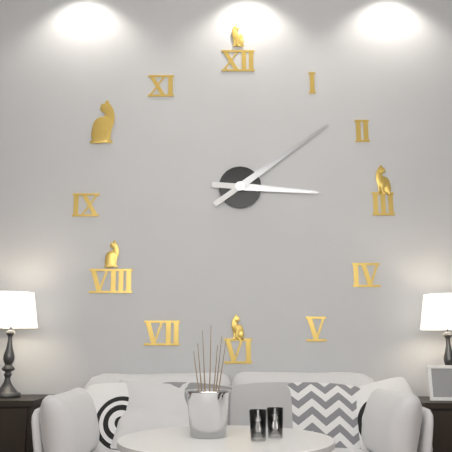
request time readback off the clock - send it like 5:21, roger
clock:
3:09
